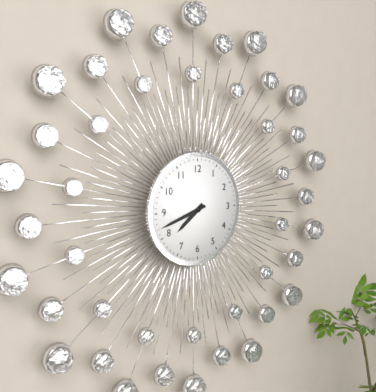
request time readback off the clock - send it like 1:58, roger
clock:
7:42
